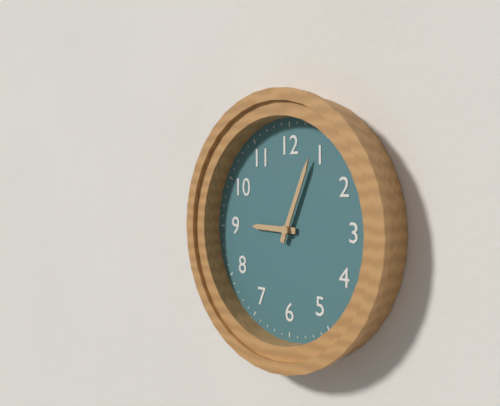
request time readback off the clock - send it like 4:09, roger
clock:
9:04
